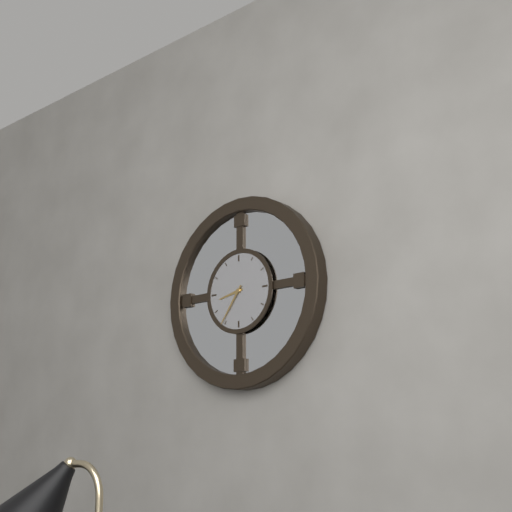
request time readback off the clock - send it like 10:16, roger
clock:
8:36
